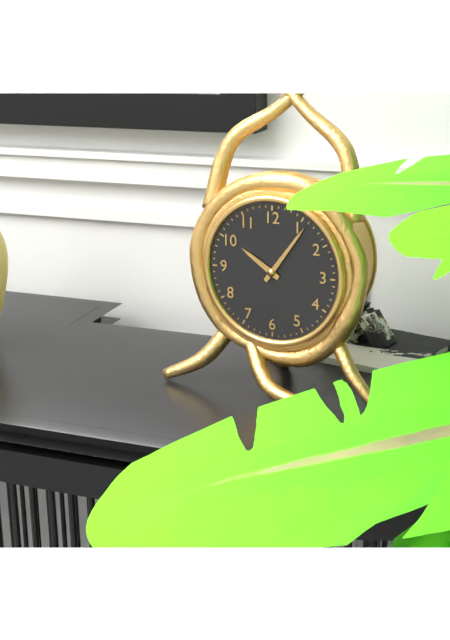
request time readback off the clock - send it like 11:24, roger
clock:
10:06
